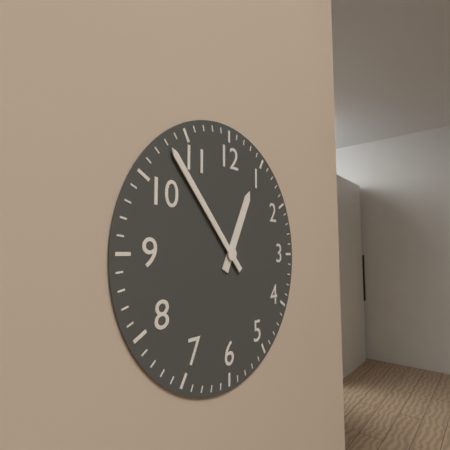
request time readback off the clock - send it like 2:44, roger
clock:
12:53
